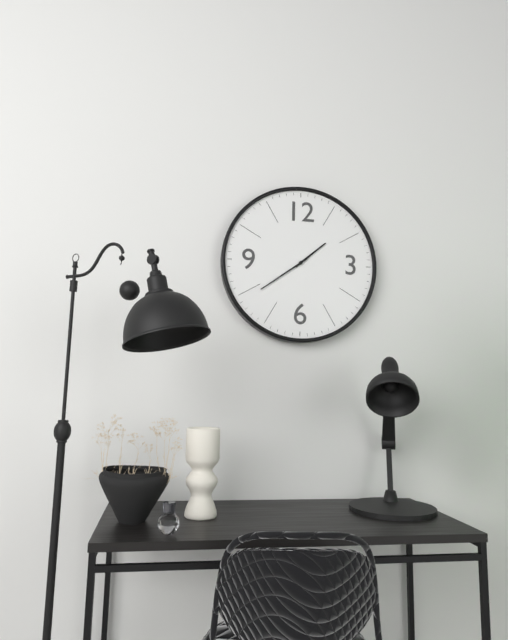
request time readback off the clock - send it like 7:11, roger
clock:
1:39
